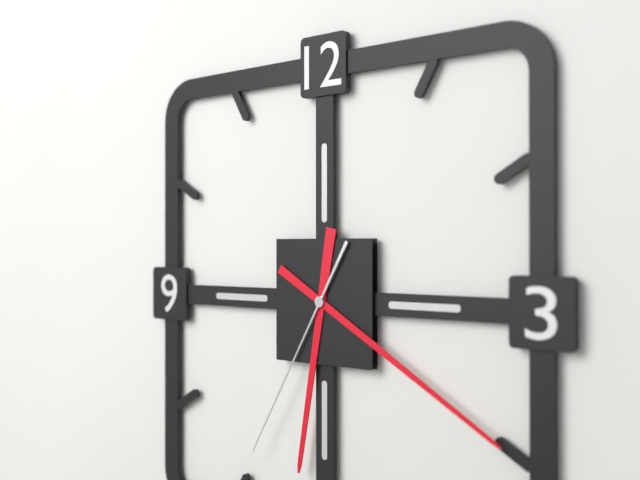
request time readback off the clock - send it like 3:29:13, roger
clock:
6:20:35
